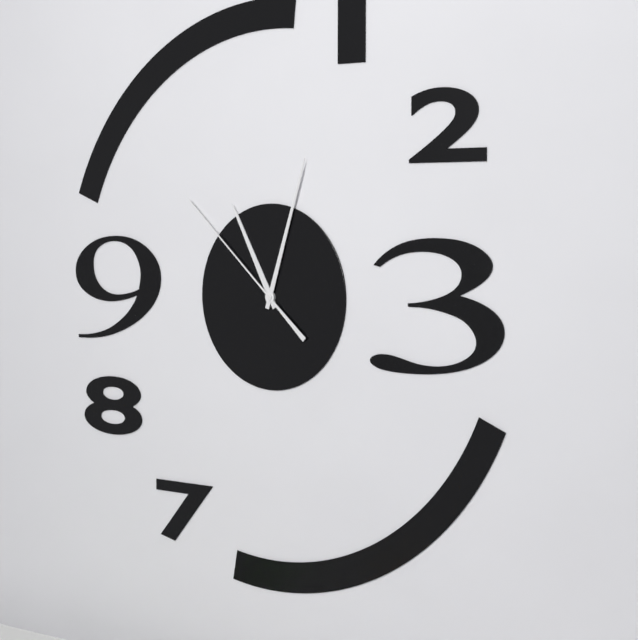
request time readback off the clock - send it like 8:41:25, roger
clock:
11:03:52
